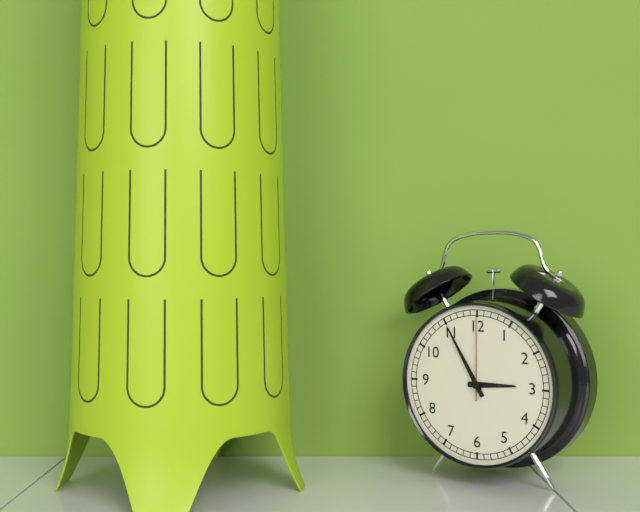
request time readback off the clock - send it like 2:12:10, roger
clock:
2:55:00
